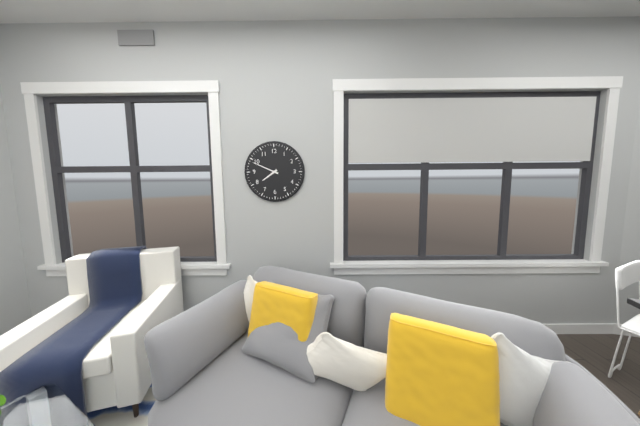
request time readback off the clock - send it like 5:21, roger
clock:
7:49
